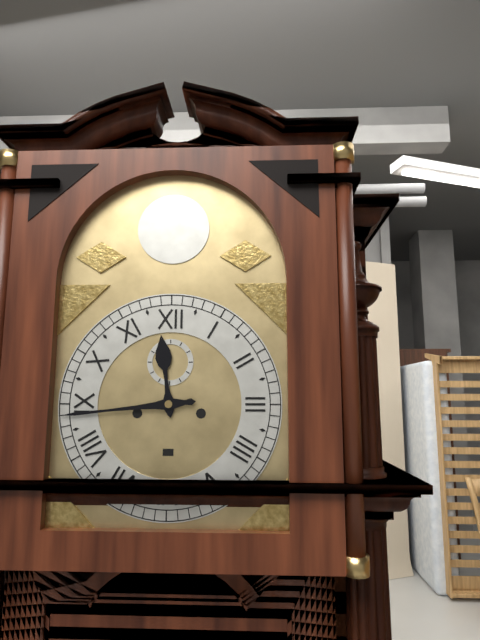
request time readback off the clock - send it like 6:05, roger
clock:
11:44
